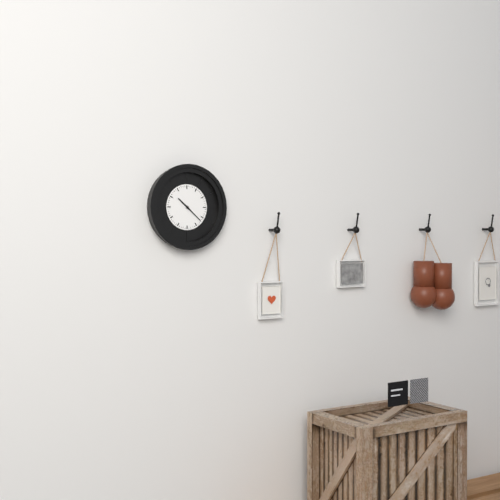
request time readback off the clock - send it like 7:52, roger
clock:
10:22
